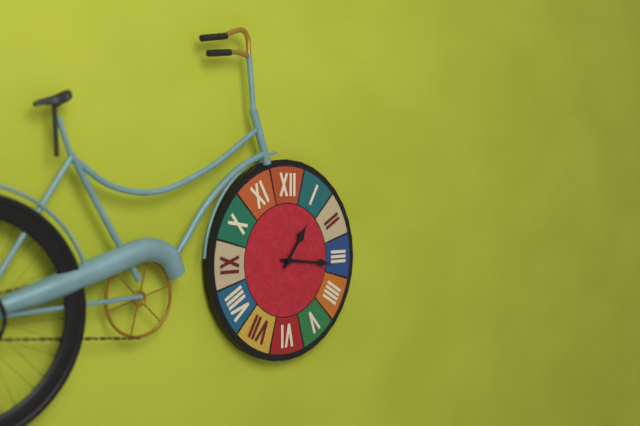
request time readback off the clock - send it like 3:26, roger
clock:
1:16
